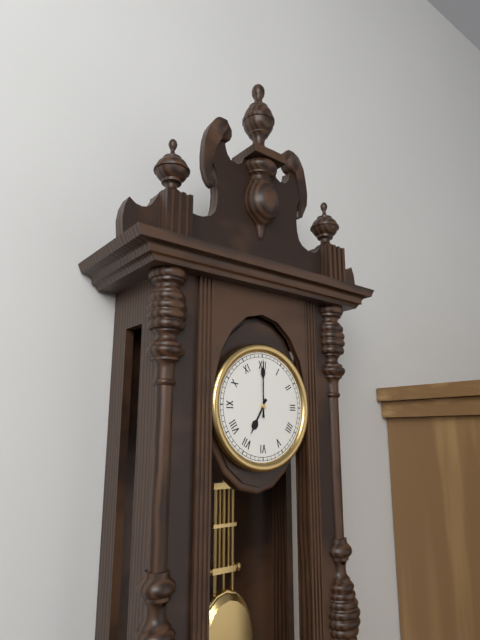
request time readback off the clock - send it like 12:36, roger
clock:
7:00
